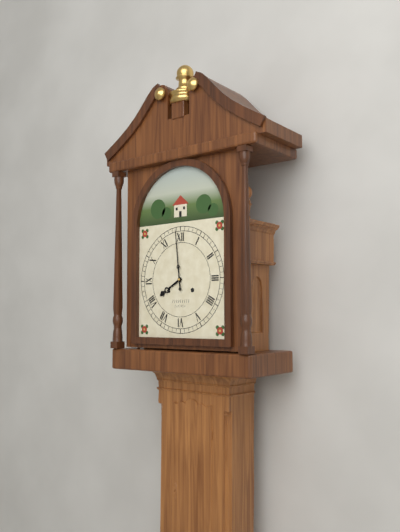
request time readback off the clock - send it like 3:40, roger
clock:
7:59
